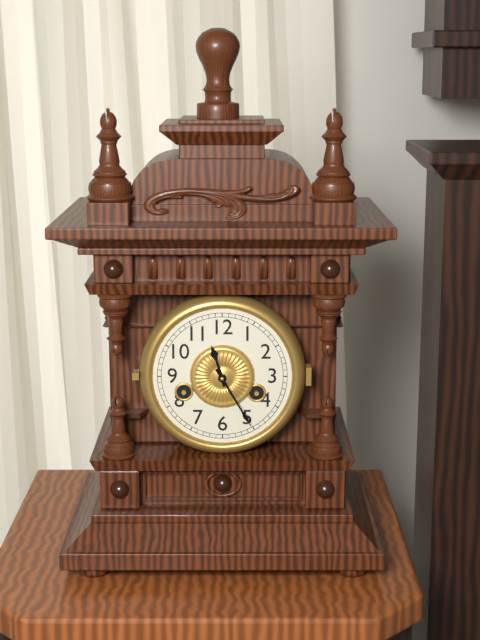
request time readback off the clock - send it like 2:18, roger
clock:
11:25
